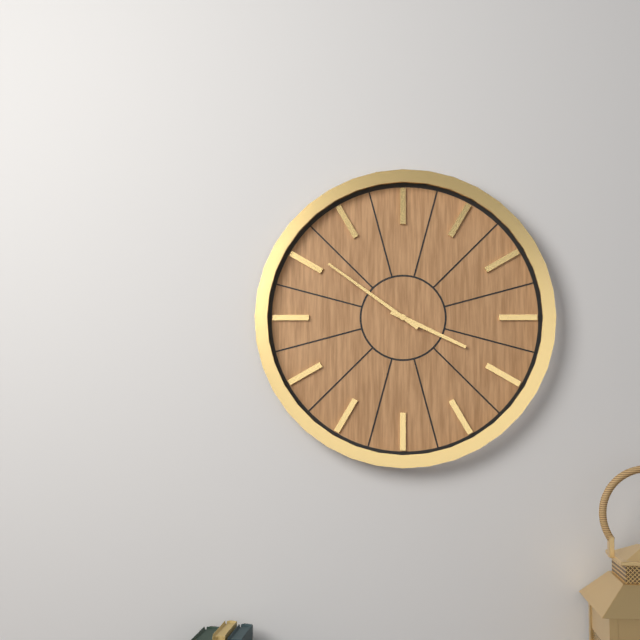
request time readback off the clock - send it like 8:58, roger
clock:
3:51
